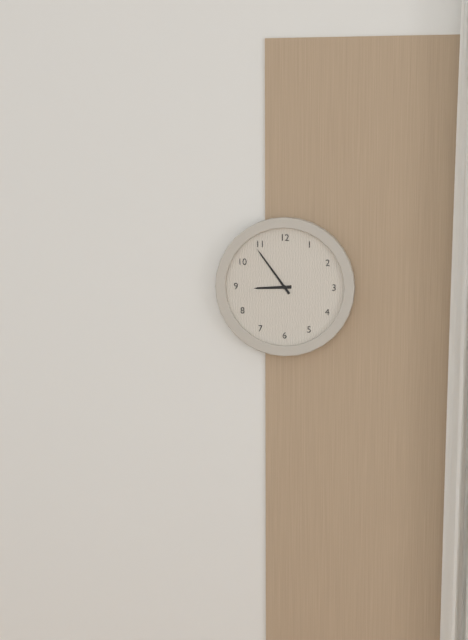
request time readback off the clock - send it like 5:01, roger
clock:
8:54
